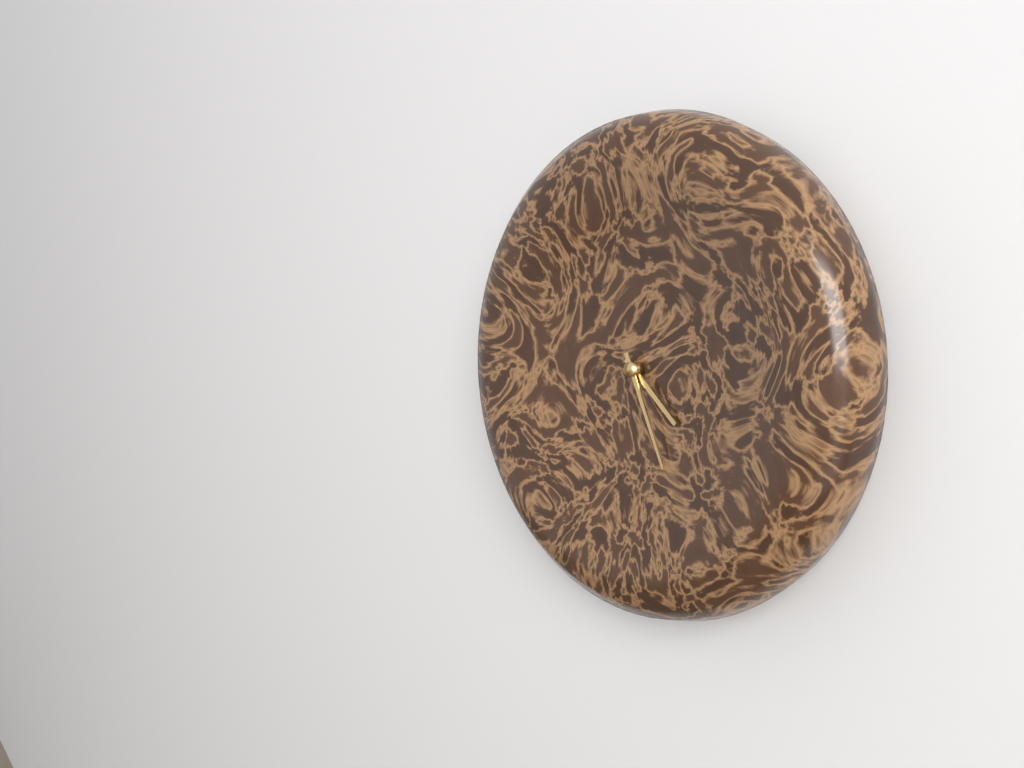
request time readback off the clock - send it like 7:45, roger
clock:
4:26
